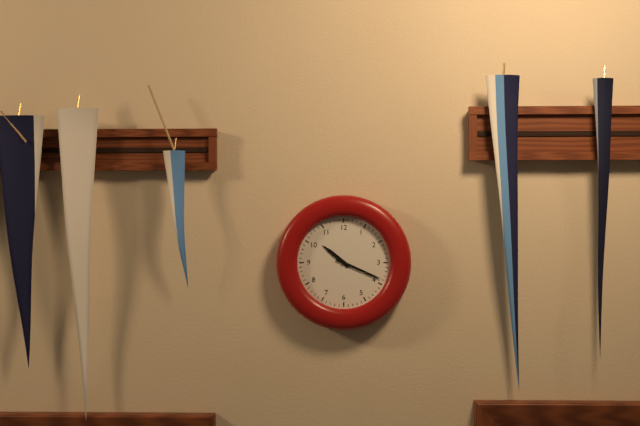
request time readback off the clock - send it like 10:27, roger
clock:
10:19
